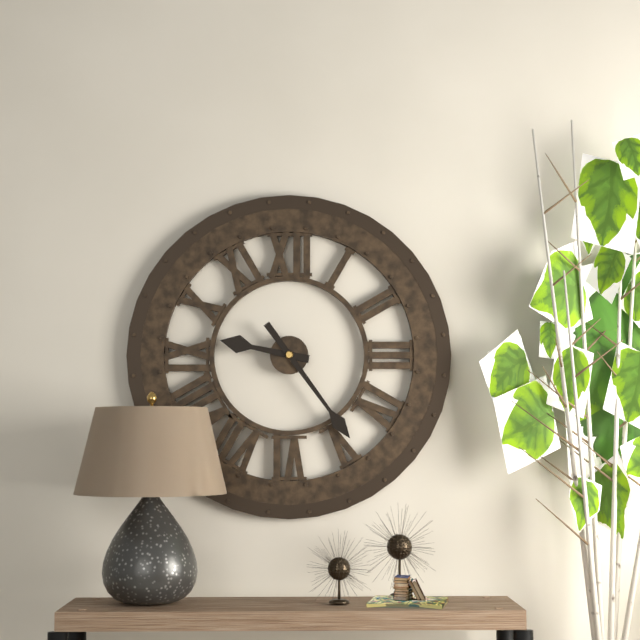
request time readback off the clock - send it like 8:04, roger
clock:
9:24
